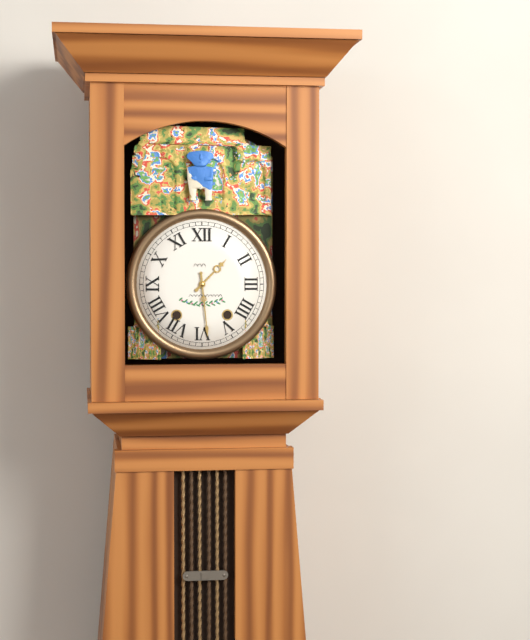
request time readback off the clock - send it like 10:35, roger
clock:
1:29
